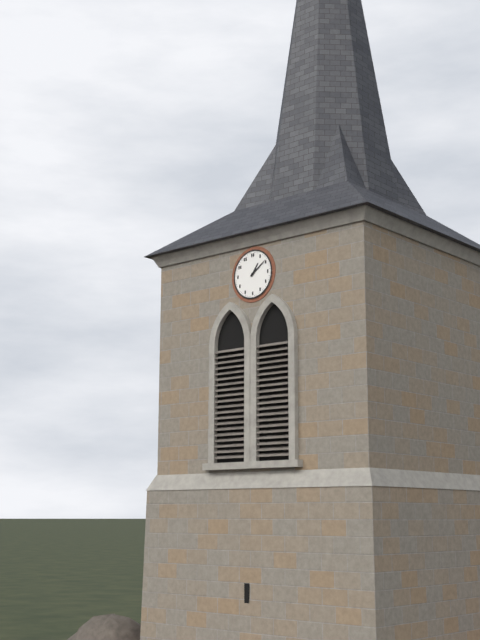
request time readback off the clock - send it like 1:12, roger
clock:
1:09
